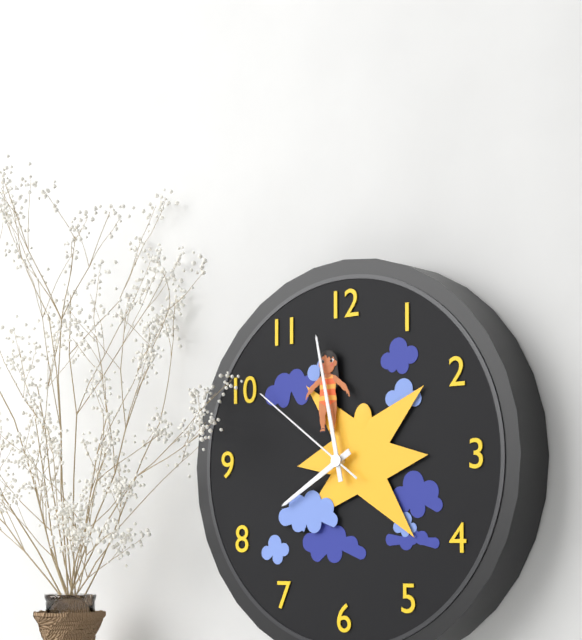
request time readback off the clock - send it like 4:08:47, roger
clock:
7:58:51
